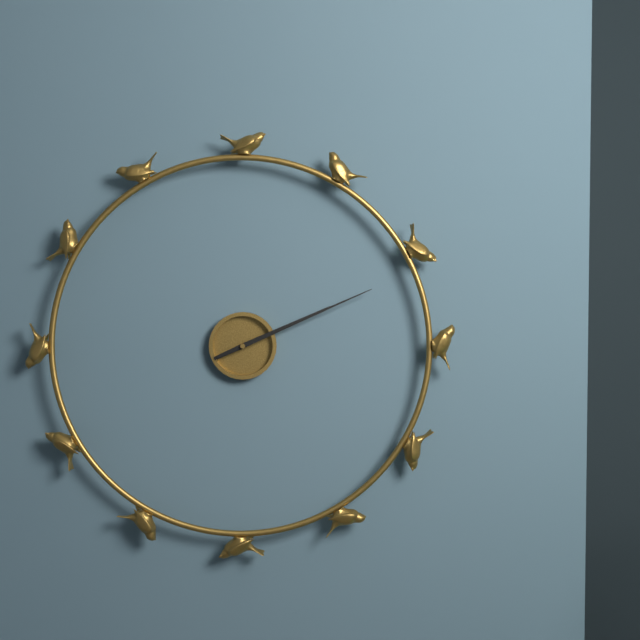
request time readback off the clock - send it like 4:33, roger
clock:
2:11
